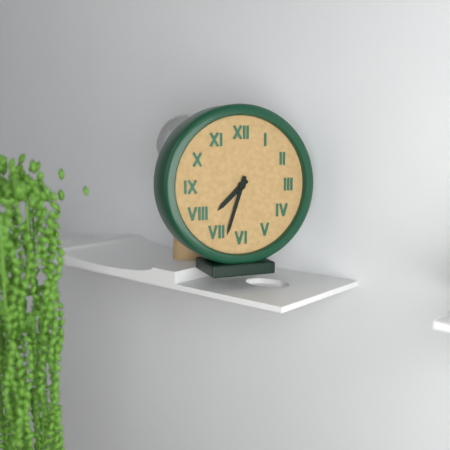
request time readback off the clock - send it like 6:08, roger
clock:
7:33
